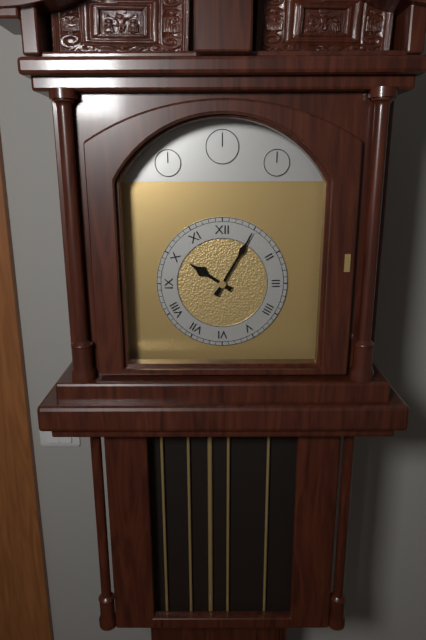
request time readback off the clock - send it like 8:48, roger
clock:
10:05
